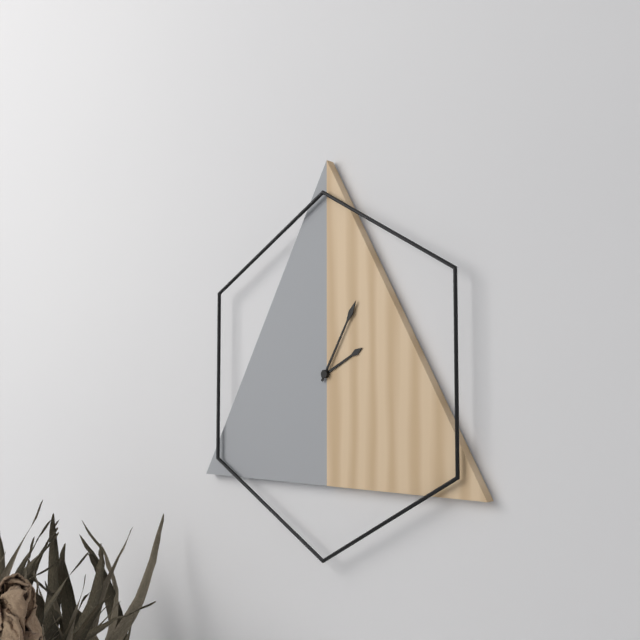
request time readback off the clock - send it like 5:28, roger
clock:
2:05
